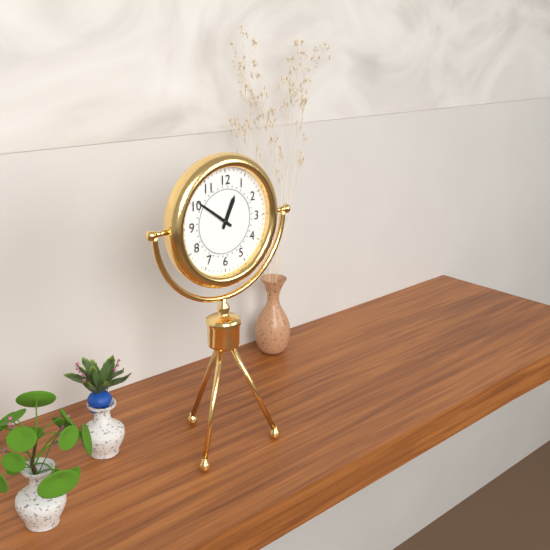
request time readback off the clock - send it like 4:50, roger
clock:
12:51
